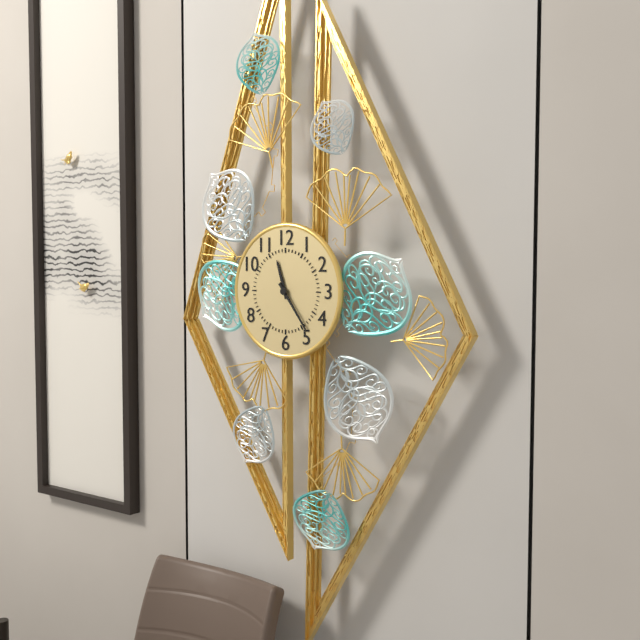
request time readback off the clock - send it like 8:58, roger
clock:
11:24
